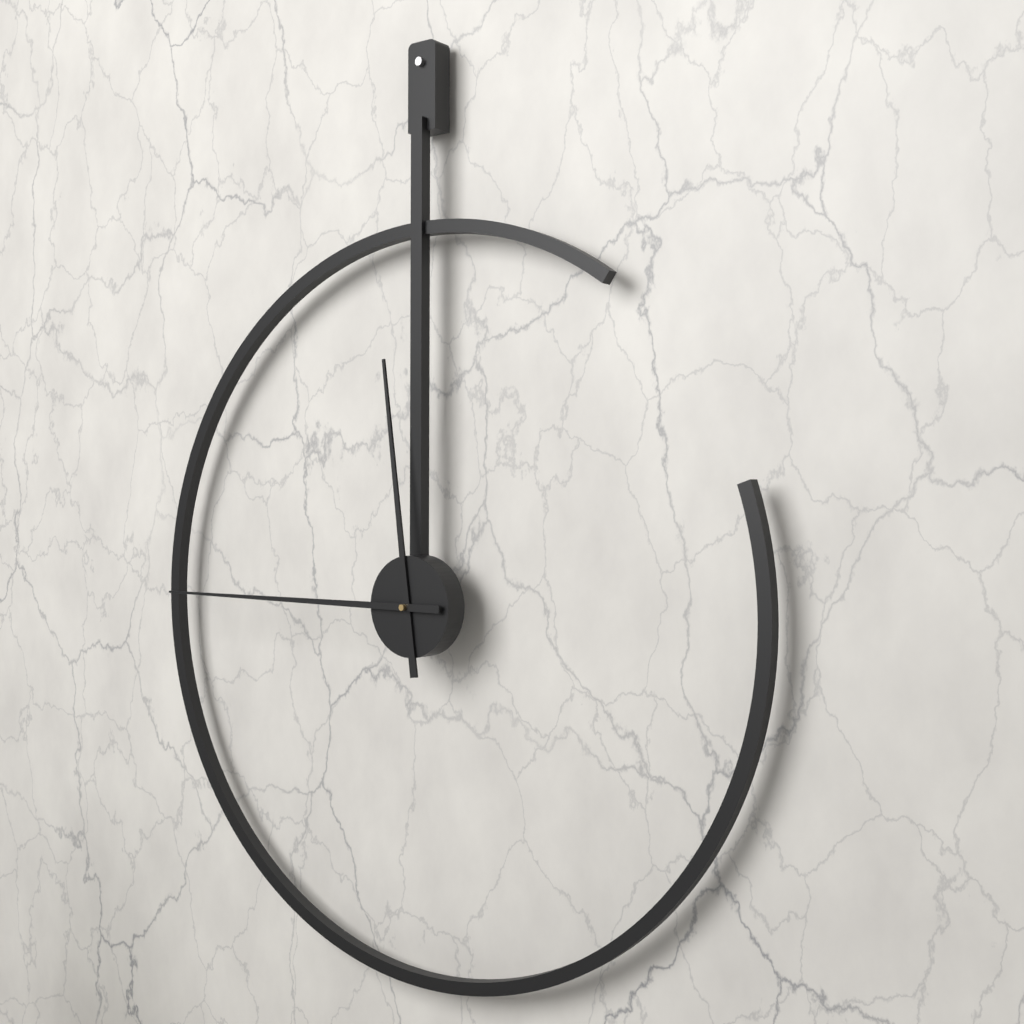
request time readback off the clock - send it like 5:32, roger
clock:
11:45
